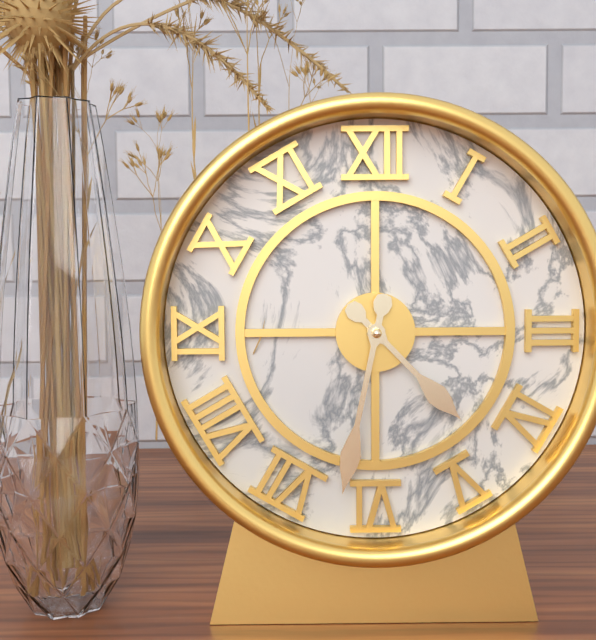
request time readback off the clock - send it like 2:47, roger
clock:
4:32
